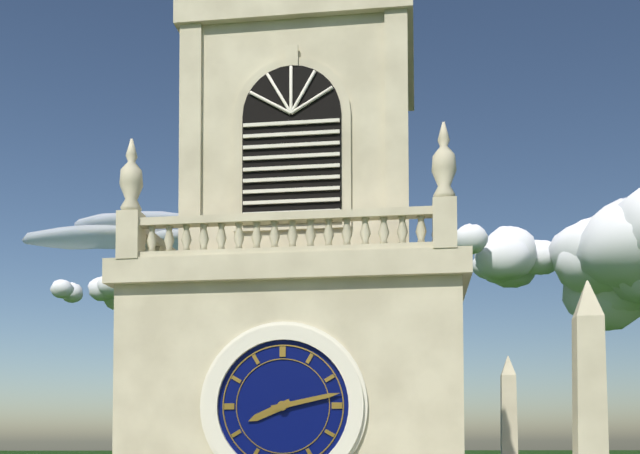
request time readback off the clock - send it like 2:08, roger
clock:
8:13
